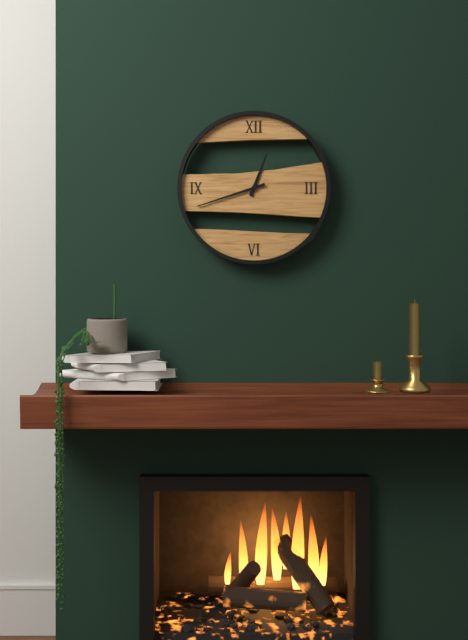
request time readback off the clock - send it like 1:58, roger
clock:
12:42
